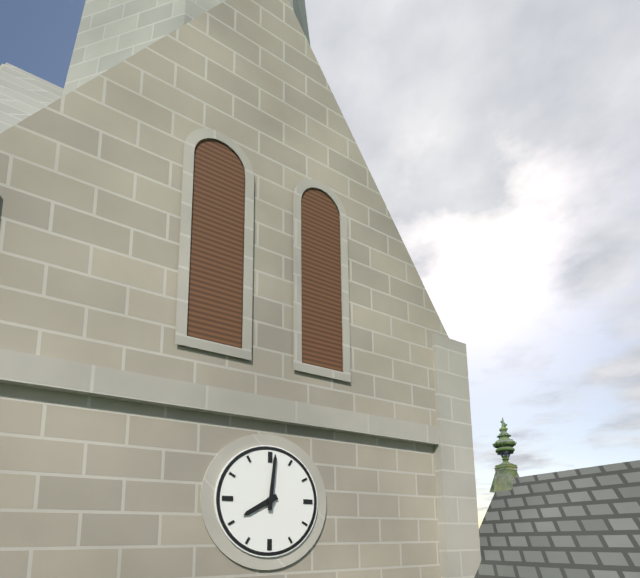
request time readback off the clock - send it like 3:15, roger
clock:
8:01
